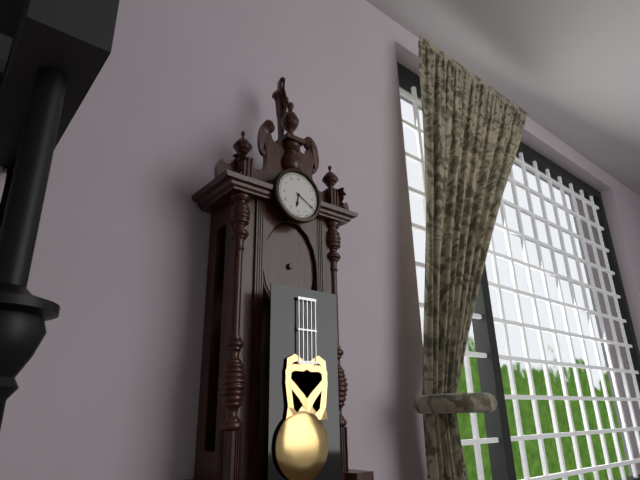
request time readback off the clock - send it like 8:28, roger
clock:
6:20
